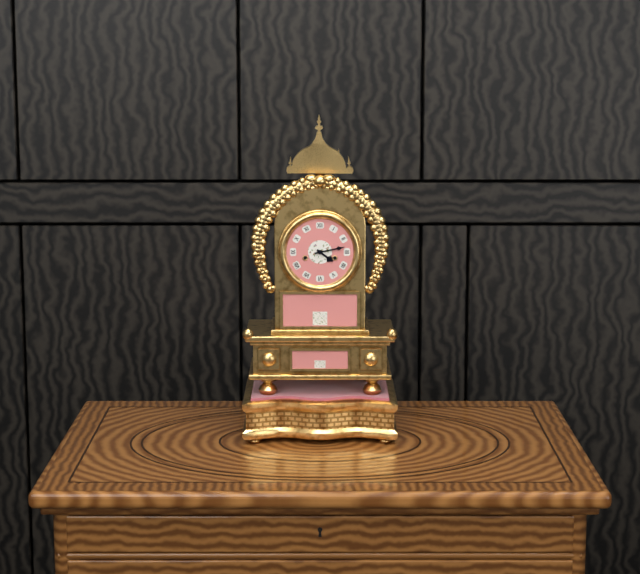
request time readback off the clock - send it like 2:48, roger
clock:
4:13
